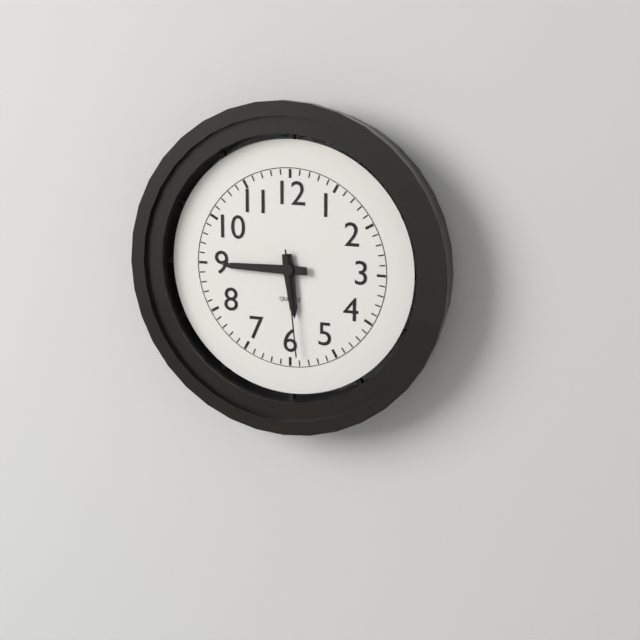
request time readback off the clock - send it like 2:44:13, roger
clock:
5:45:29
